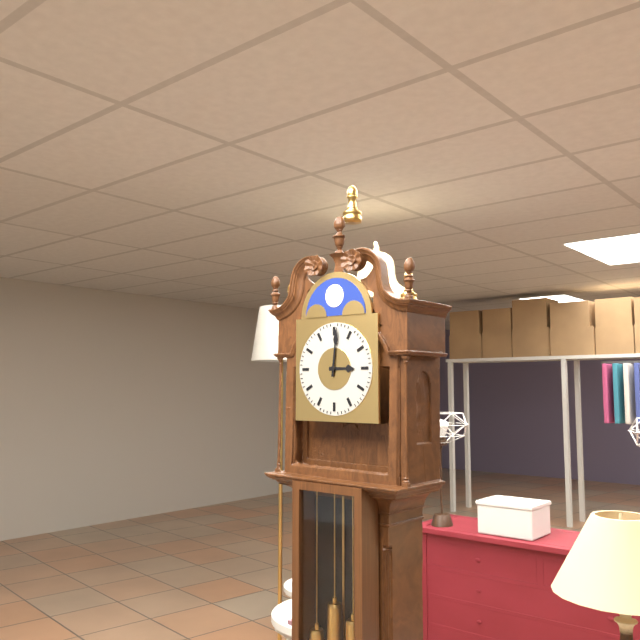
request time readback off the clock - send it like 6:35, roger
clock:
3:01
